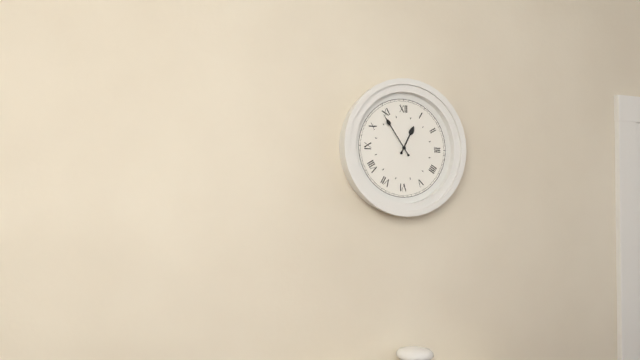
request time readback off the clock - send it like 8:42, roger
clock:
12:54
